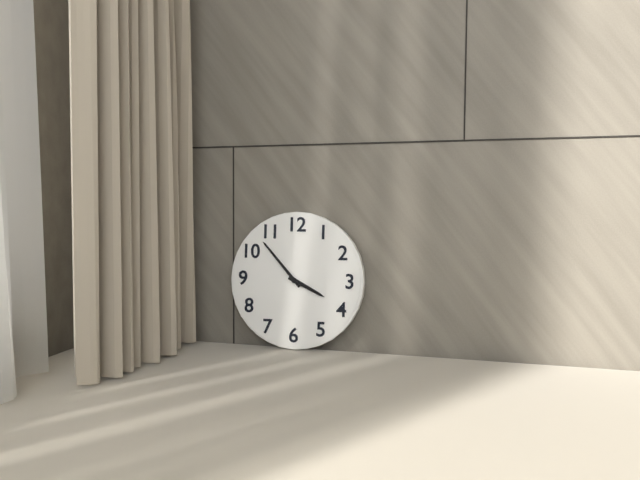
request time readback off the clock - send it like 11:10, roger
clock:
3:53
